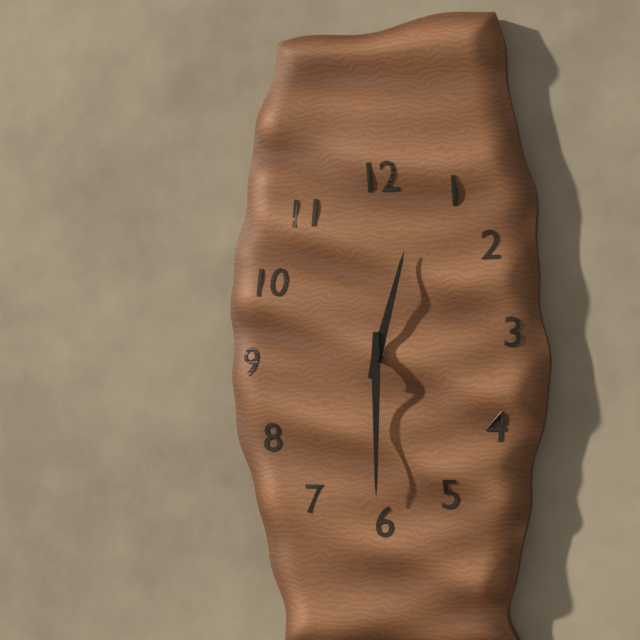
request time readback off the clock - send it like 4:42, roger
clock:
12:30
